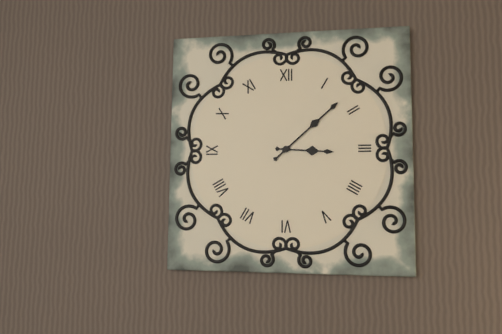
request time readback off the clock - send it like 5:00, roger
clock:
3:08
